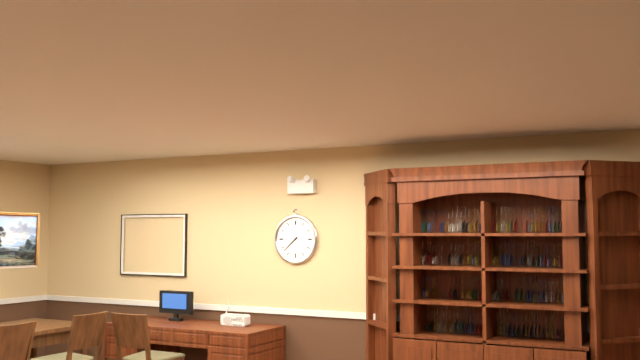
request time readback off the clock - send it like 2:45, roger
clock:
7:38
